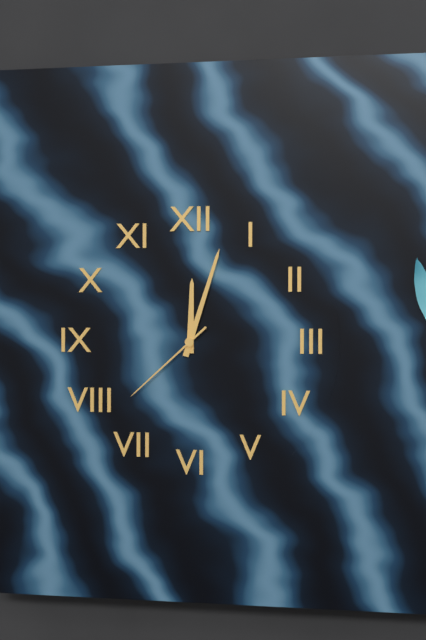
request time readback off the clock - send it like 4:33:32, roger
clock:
12:03:38
